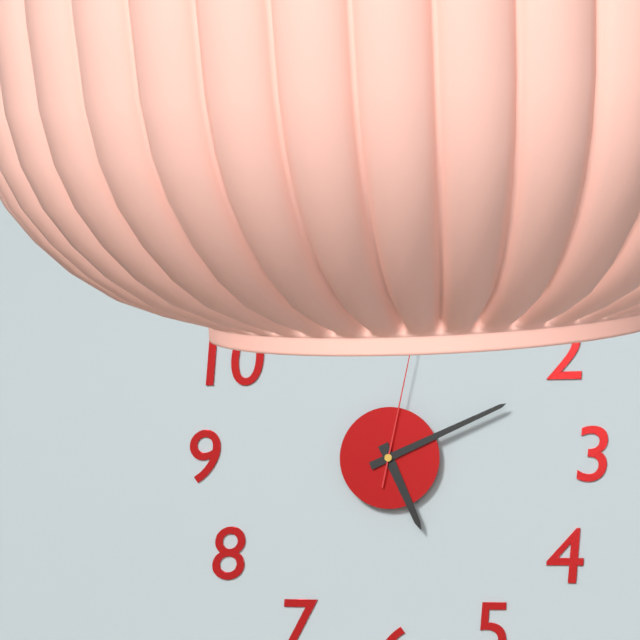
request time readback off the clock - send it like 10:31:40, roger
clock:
5:11:02
